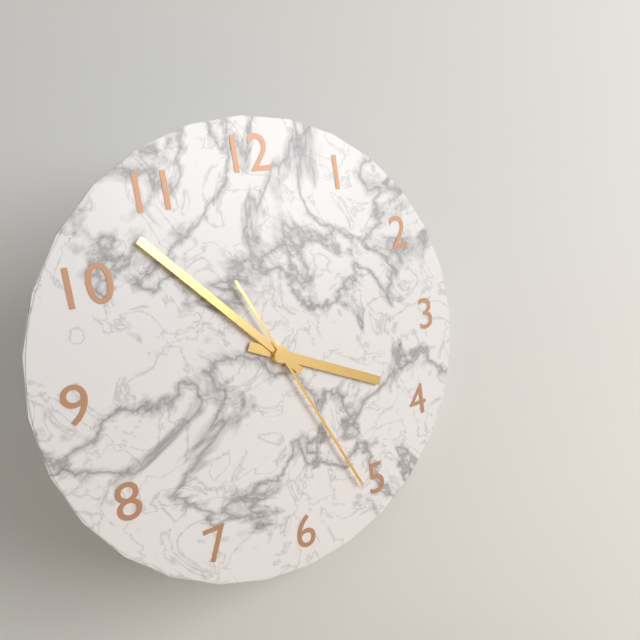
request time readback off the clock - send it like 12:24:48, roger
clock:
3:53:26
